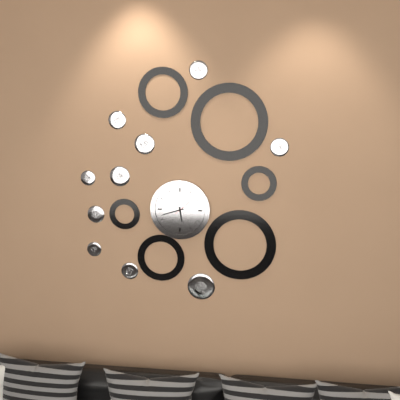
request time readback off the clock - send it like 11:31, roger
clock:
5:42
